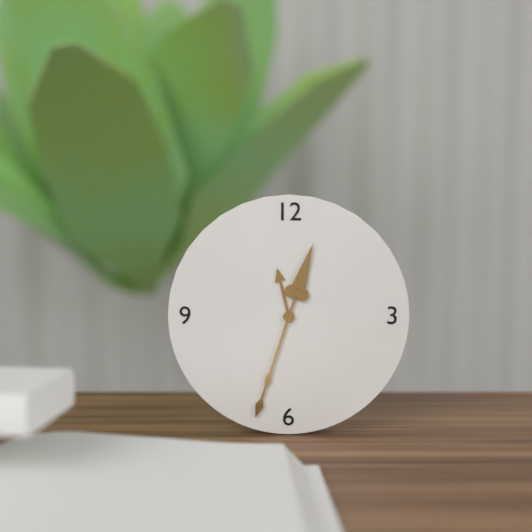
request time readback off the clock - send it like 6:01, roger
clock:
11:33
